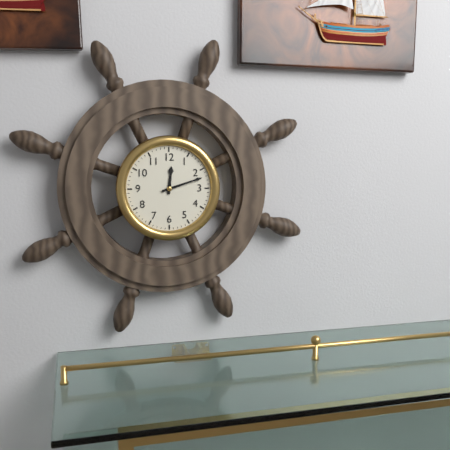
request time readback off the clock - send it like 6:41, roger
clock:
12:12
